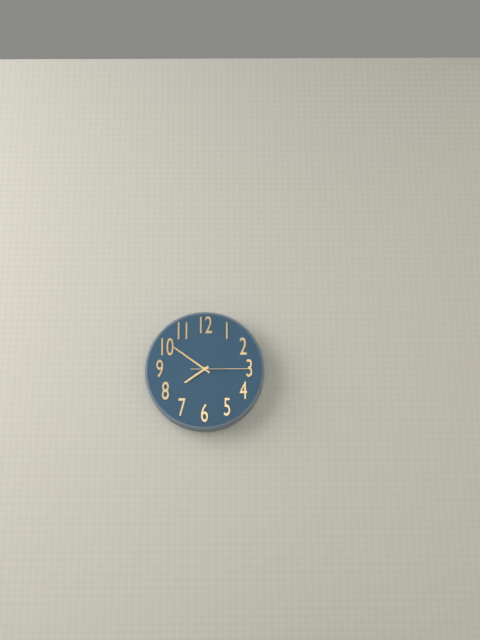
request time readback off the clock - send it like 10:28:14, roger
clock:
7:51:15
